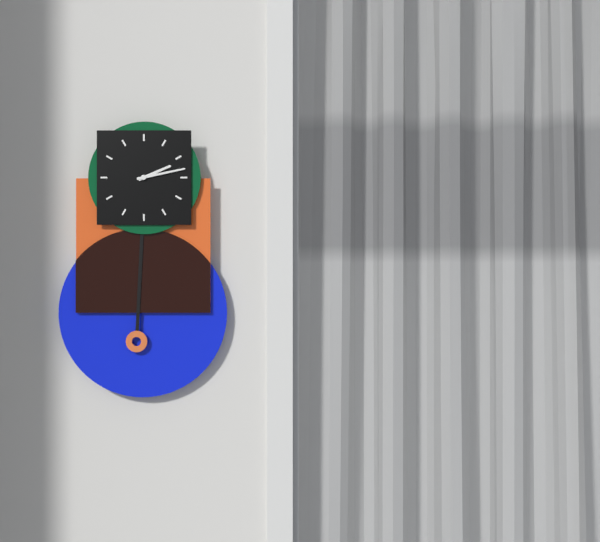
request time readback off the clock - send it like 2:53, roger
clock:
2:13
